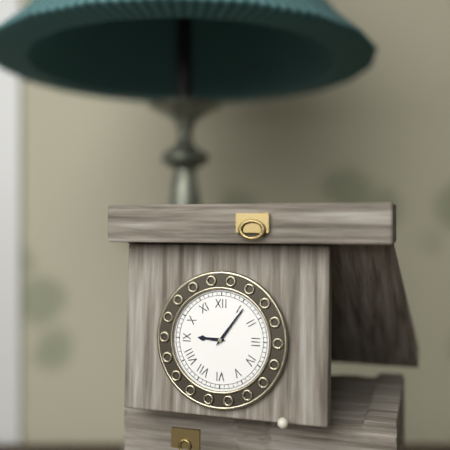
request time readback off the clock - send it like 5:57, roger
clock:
9:06
